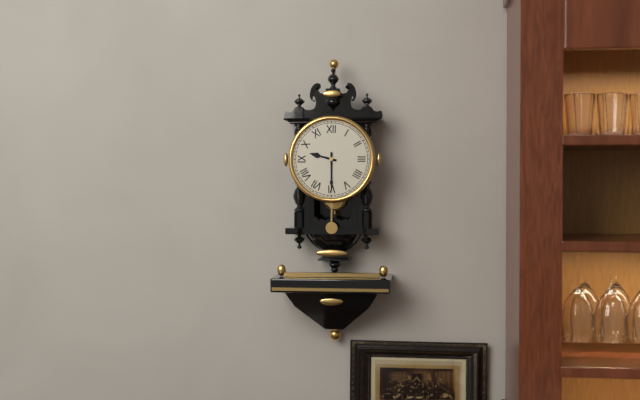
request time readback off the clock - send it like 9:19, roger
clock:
9:30
